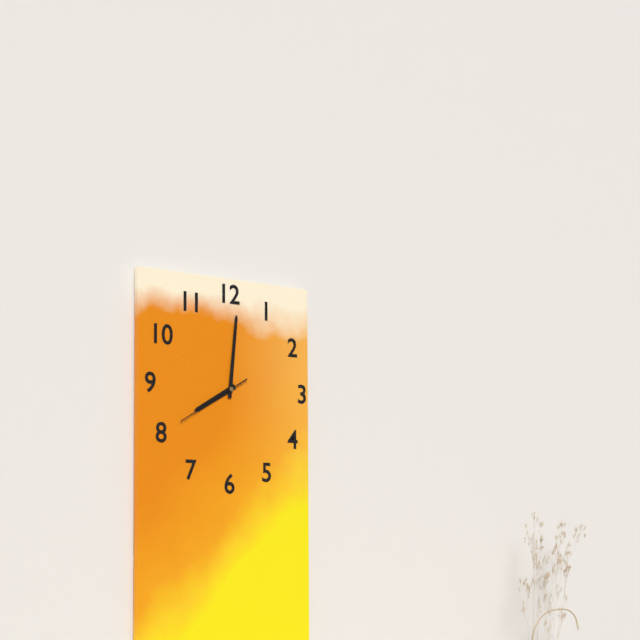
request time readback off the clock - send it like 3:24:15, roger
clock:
8:01:40
